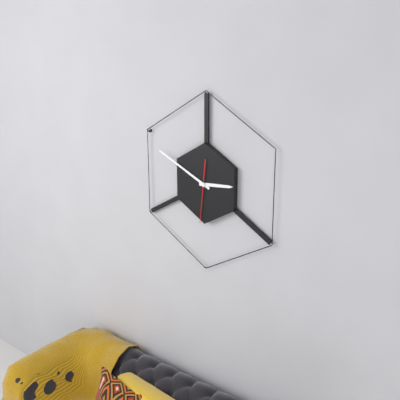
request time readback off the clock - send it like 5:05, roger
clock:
2:49
